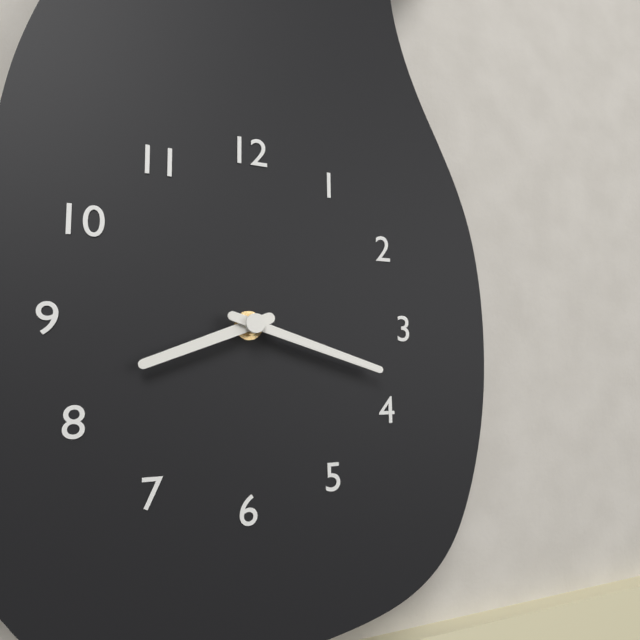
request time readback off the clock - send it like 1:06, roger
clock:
8:18
